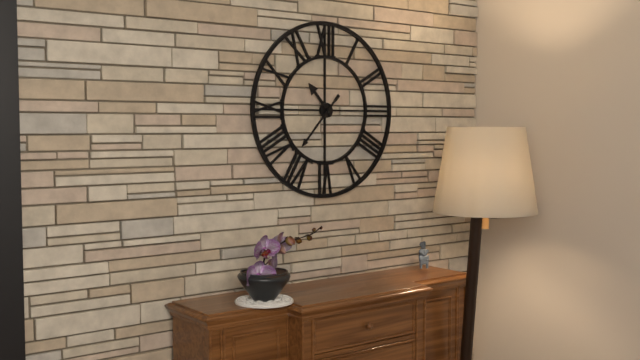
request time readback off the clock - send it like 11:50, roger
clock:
10:37
